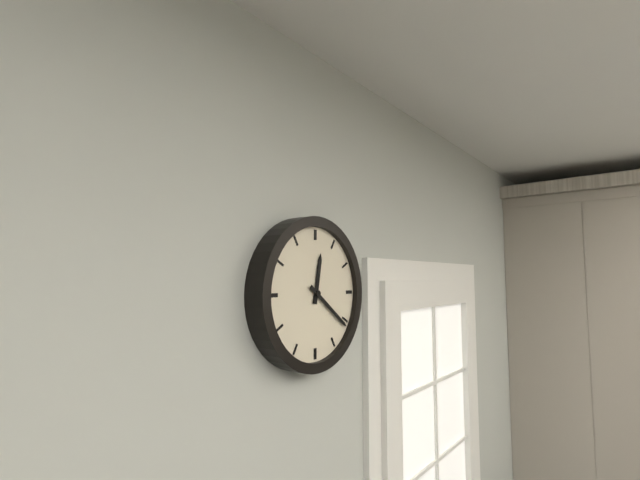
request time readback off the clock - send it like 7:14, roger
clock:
12:21
